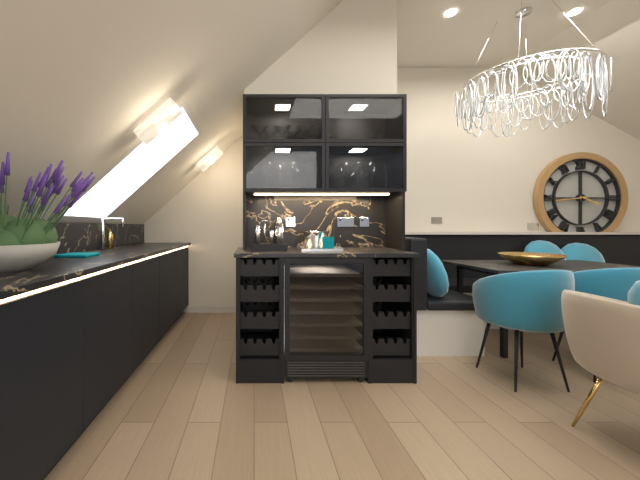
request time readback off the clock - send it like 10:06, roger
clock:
3:44
